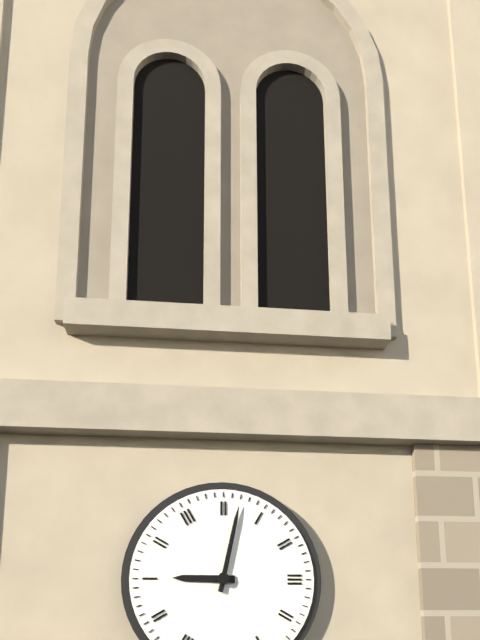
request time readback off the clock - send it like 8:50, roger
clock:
9:02
